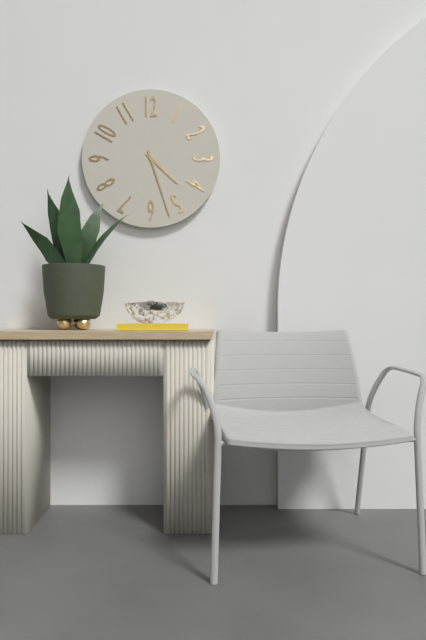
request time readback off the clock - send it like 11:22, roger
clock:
4:27
